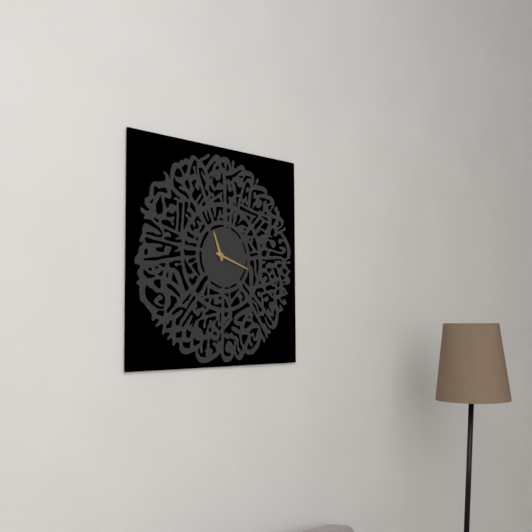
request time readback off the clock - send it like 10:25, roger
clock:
11:18
